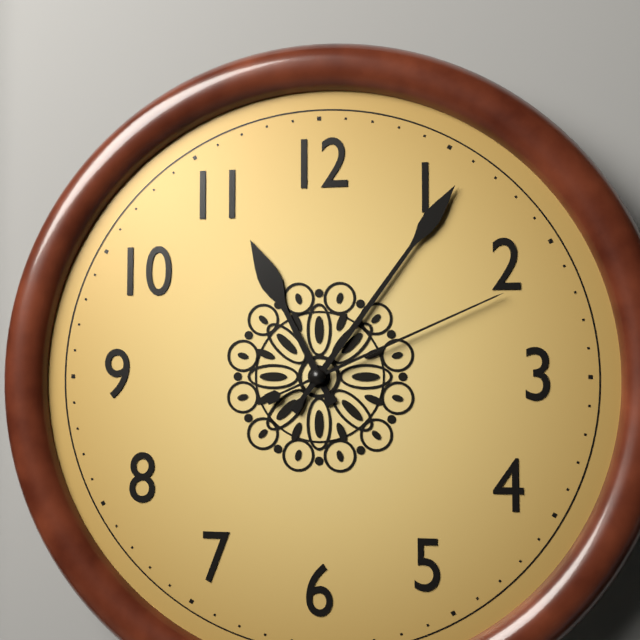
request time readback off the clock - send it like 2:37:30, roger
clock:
11:06:11
